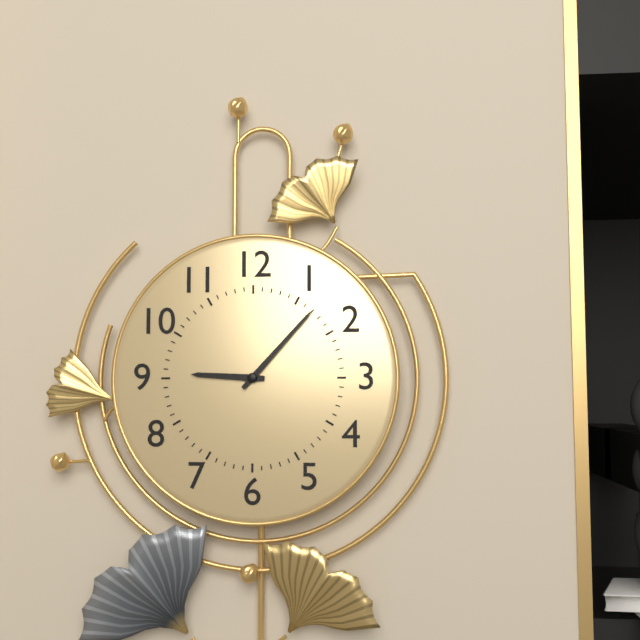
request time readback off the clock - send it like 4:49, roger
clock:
9:07
